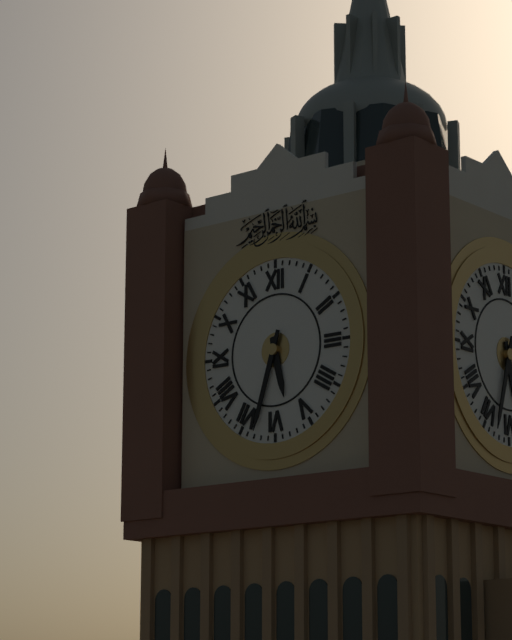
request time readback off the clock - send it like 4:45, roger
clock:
5:33
